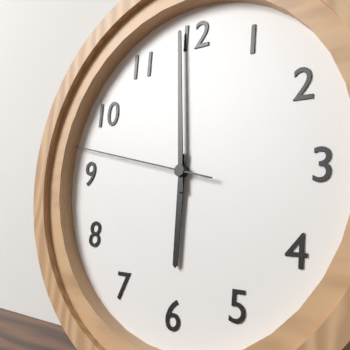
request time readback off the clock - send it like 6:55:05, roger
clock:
5:59:47
